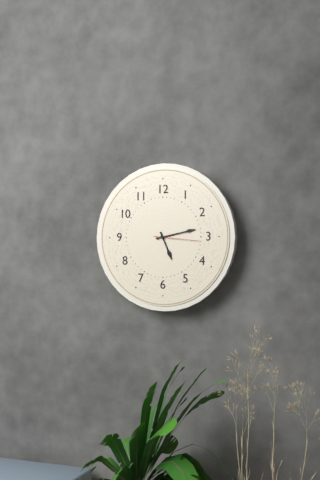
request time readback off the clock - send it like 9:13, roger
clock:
5:13
